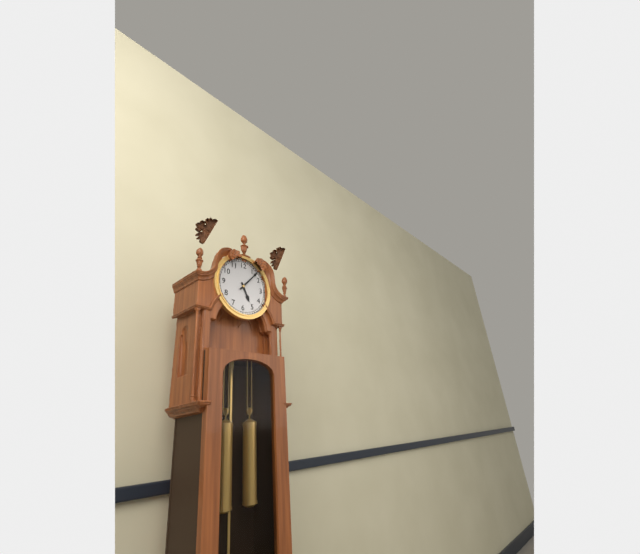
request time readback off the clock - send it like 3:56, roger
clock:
5:07
